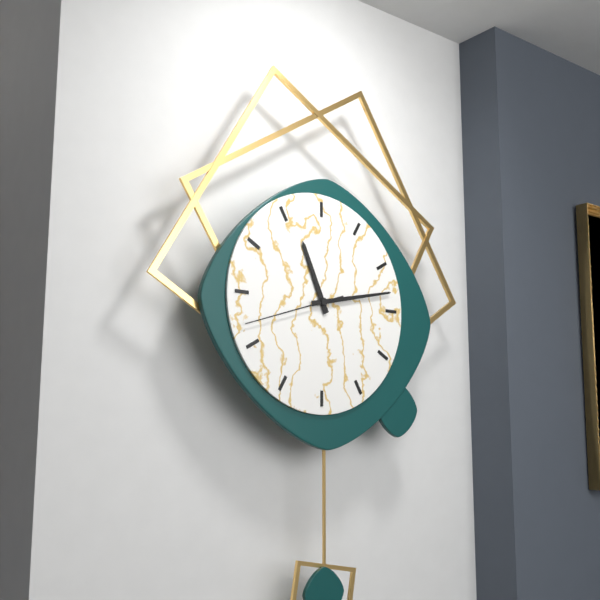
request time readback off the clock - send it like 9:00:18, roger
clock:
11:13:42
